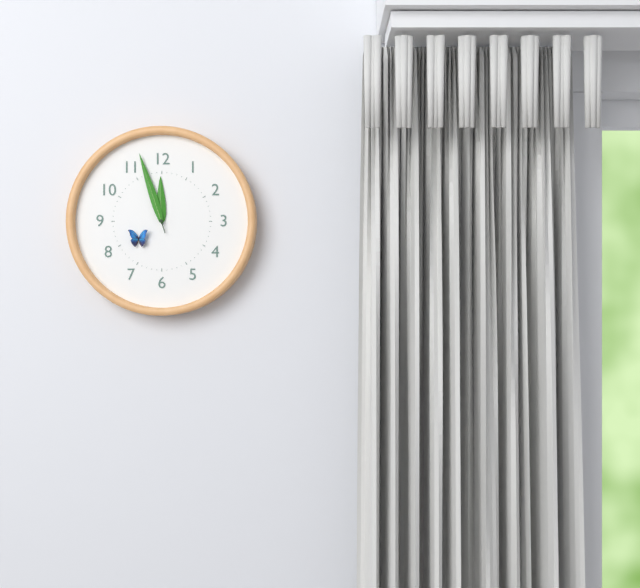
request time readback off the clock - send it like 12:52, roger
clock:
11:57
